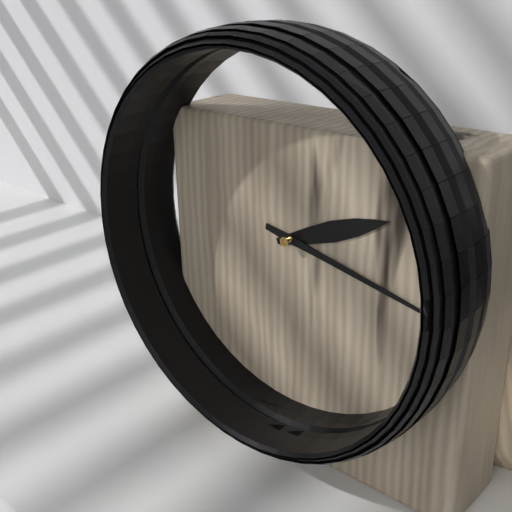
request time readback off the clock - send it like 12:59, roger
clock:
2:17
